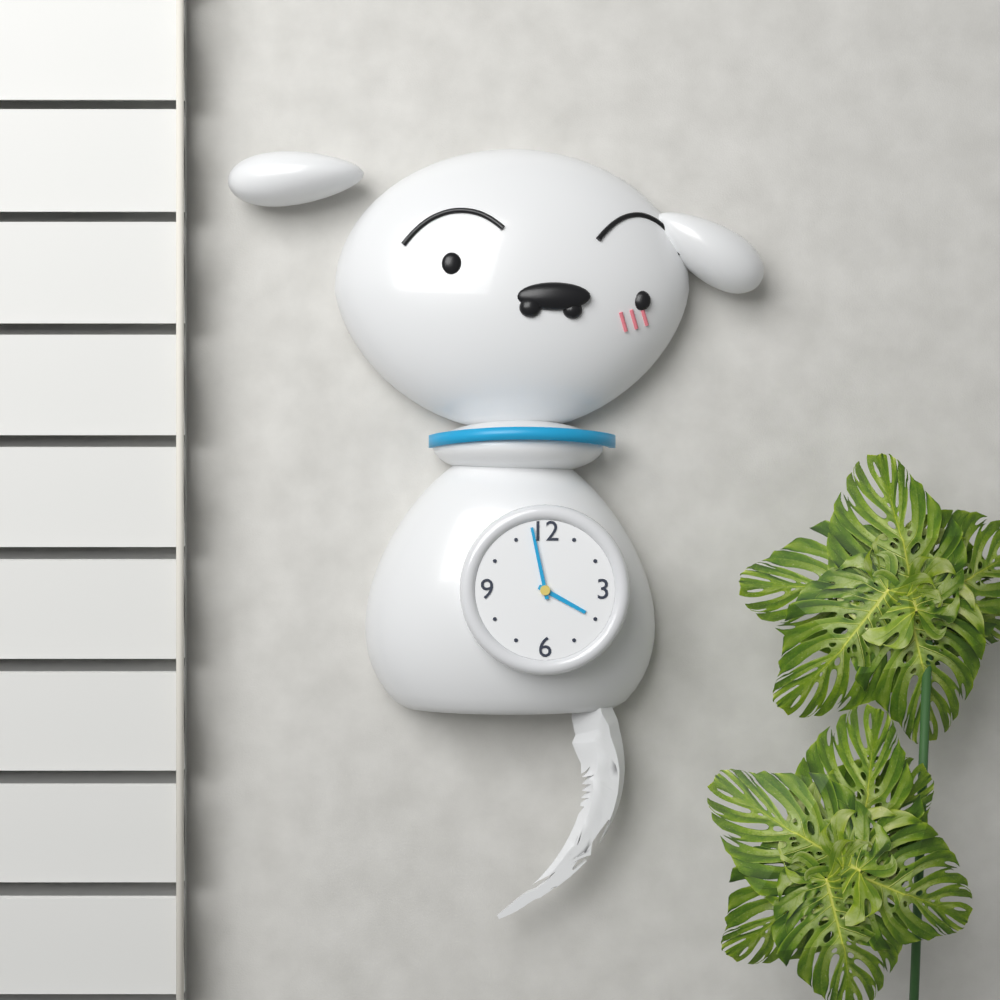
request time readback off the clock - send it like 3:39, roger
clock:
3:58
